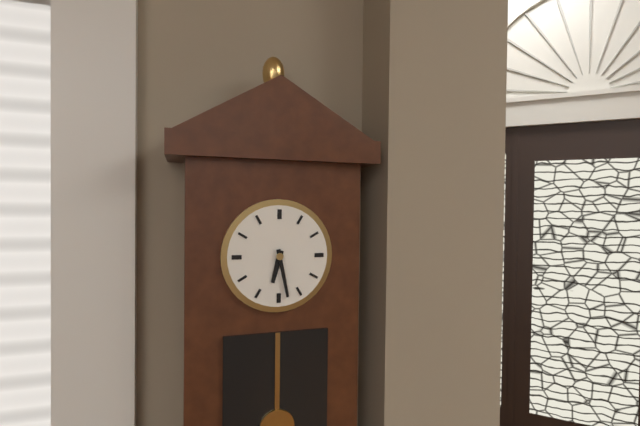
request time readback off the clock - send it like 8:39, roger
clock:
6:28
